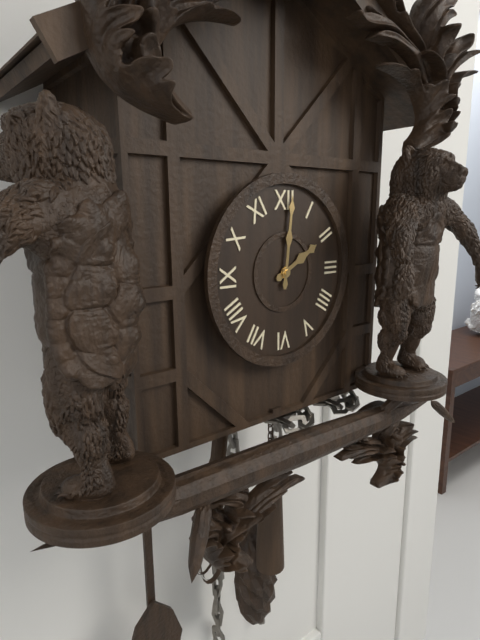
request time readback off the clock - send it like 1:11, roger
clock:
2:01
